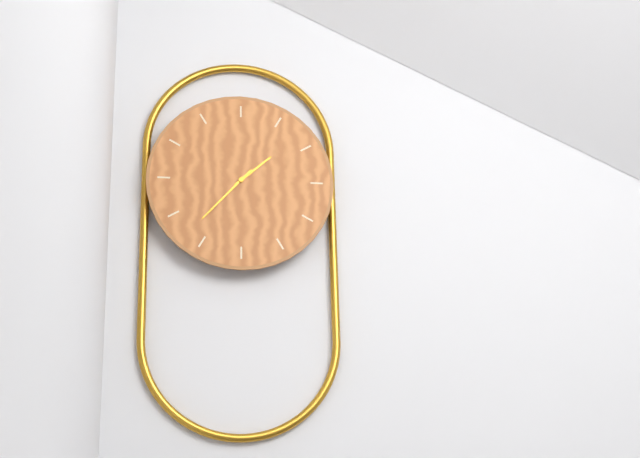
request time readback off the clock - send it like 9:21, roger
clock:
1:37
